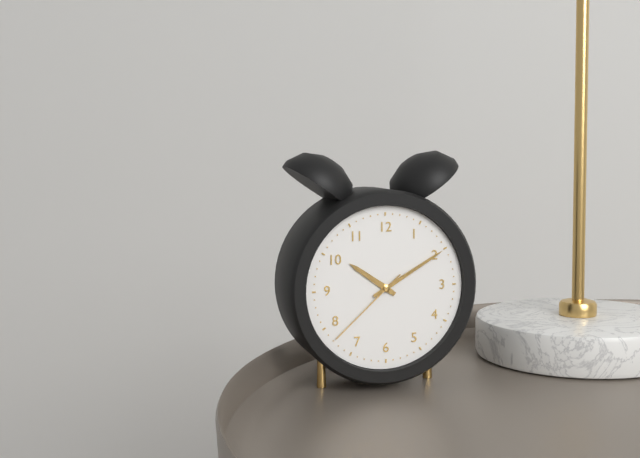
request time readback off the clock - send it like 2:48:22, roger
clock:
10:10:38
